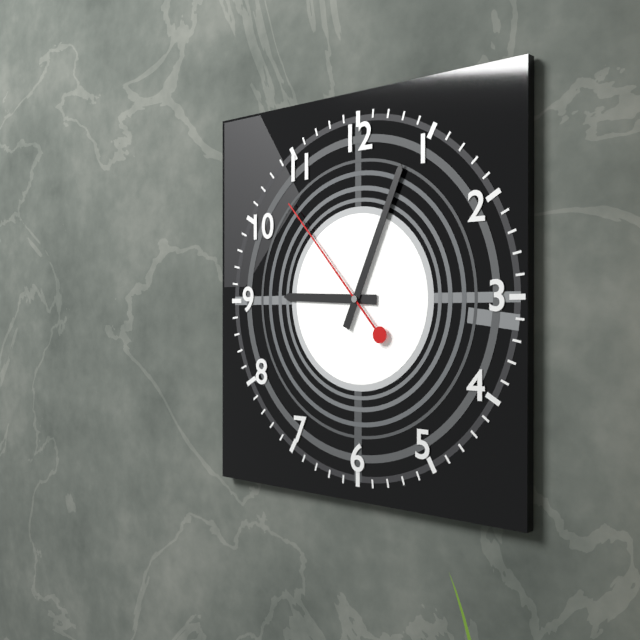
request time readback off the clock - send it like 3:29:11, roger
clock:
9:04:53
